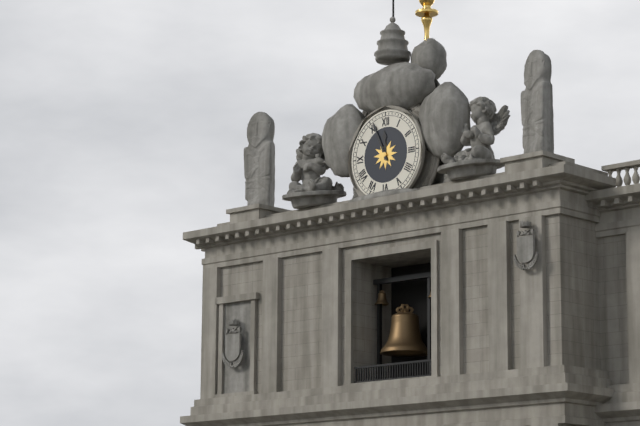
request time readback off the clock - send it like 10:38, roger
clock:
11:56
